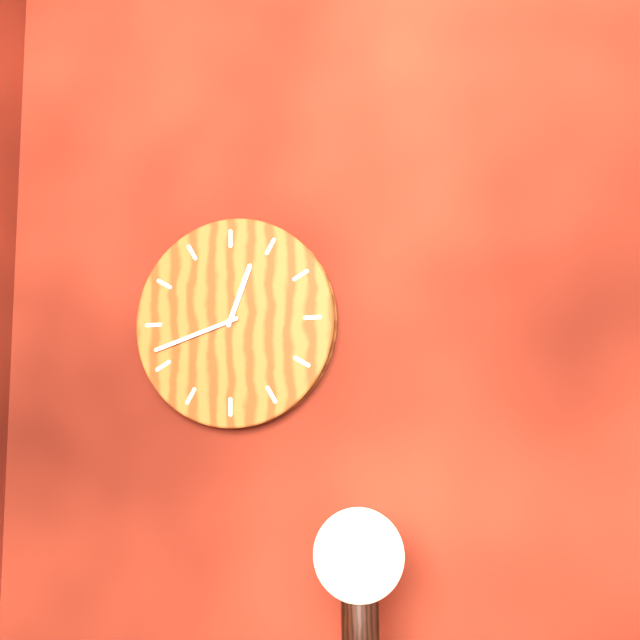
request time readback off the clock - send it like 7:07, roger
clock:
12:42
